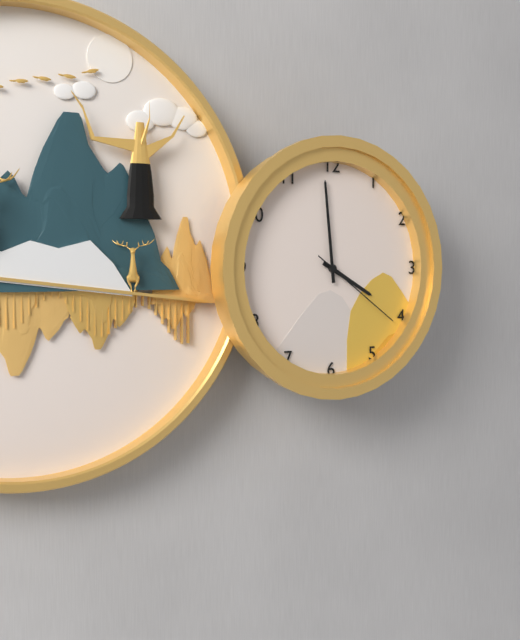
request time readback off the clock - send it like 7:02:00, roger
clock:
3:59:21
